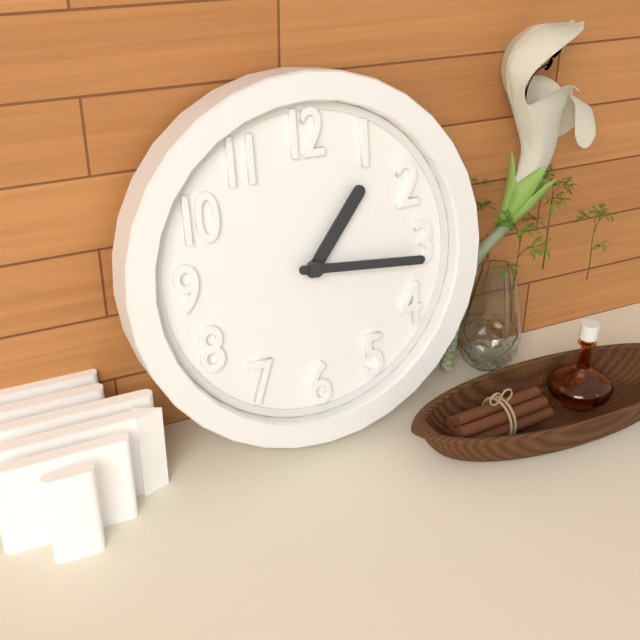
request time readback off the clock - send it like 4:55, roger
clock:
1:16
